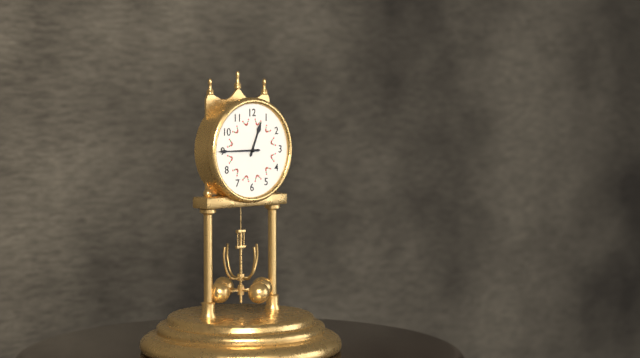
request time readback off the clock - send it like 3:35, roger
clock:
12:45
